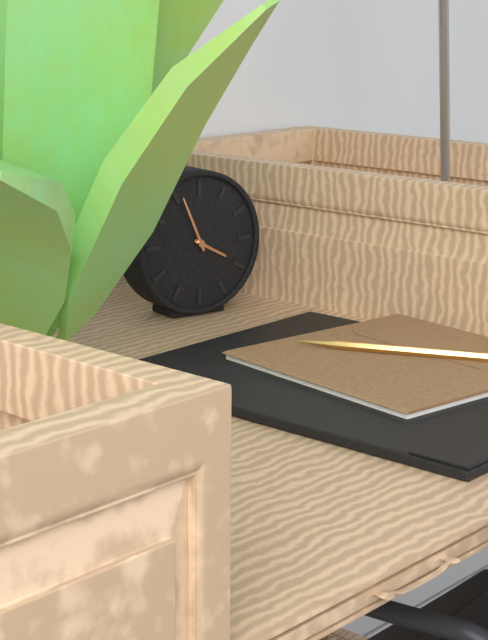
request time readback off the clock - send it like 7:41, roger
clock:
3:56
